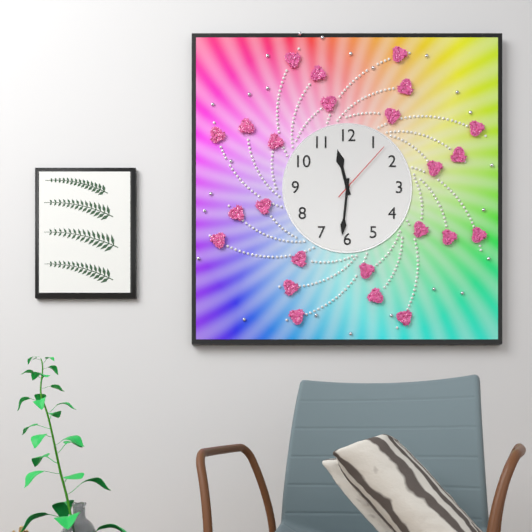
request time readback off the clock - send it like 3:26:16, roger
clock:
11:31:07
